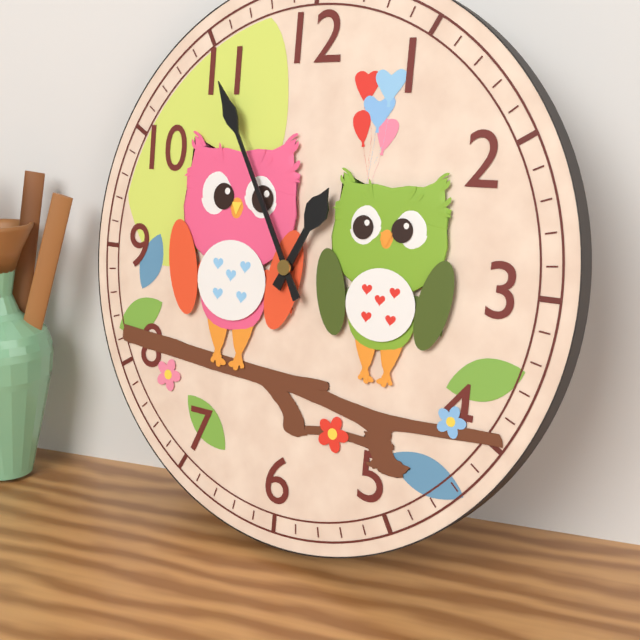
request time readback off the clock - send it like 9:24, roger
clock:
12:55
